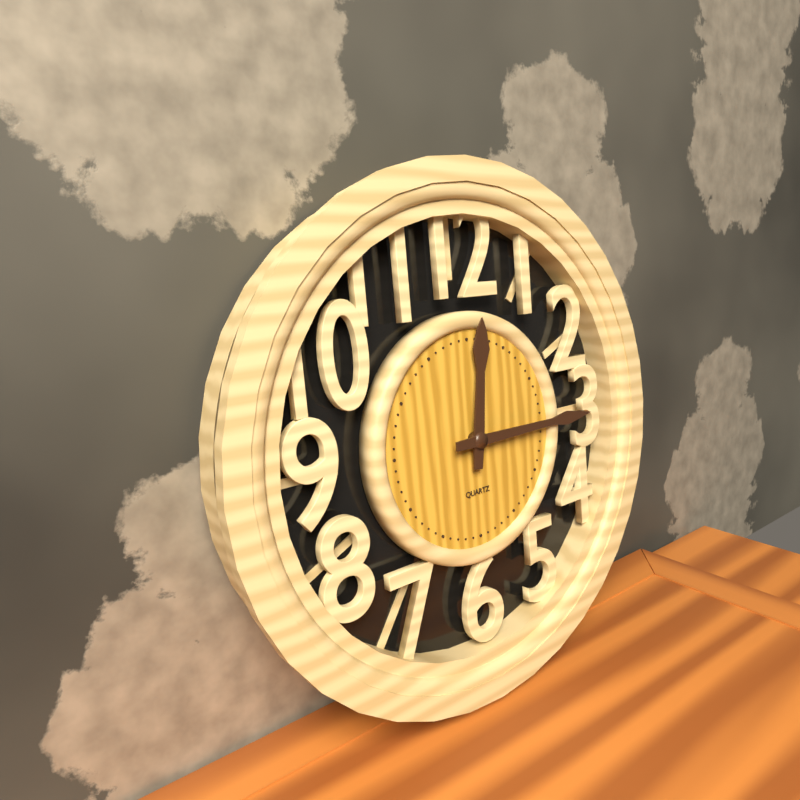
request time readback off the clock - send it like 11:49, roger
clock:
12:15
